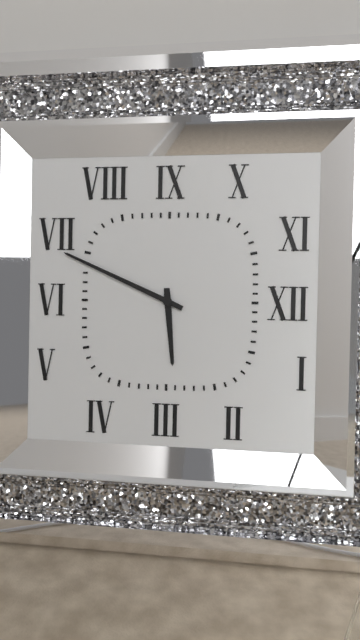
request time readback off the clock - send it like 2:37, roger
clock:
5:49
